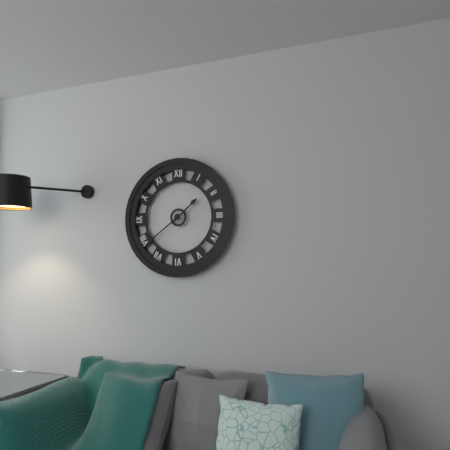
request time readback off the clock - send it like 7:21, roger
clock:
1:39
